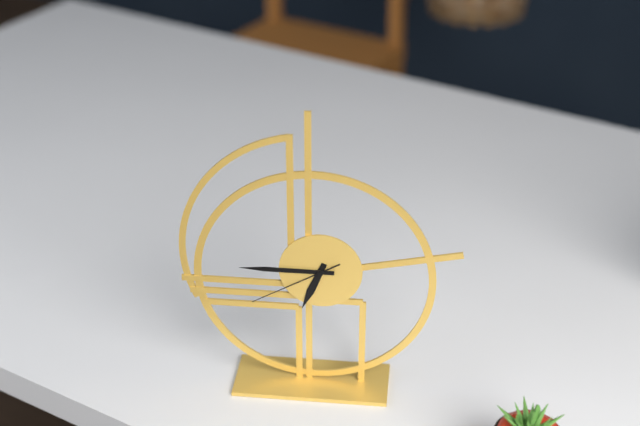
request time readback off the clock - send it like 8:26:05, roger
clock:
6:45:40
